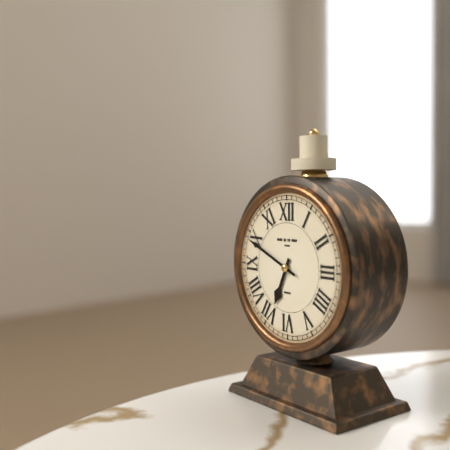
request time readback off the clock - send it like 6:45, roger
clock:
6:49
